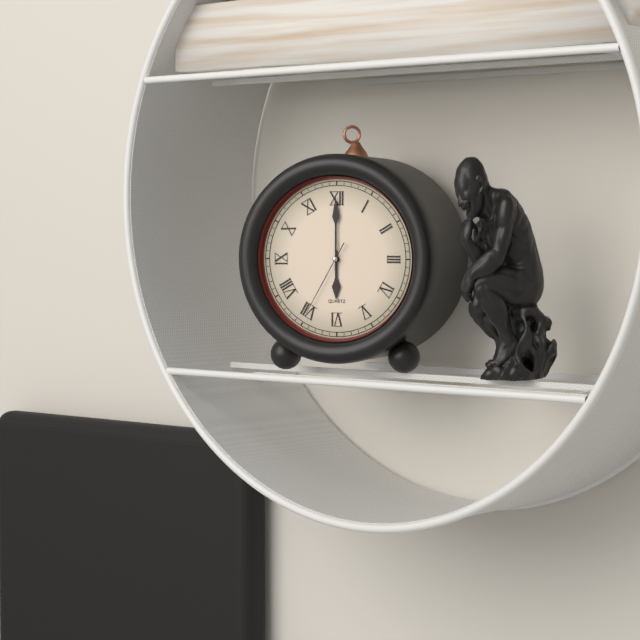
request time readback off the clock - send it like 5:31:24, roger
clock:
6:00:35
